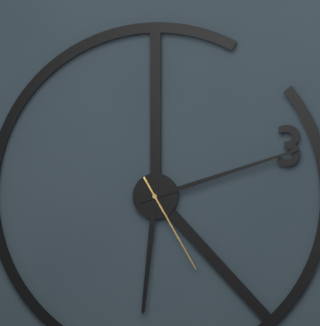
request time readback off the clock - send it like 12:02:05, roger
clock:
6:12:25
